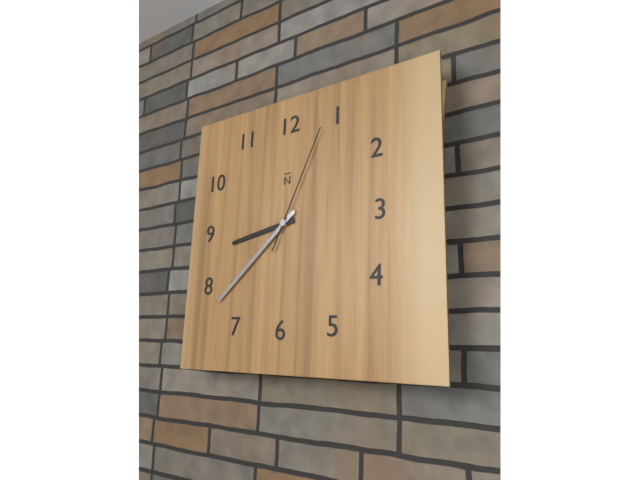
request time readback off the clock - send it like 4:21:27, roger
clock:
8:38:04
